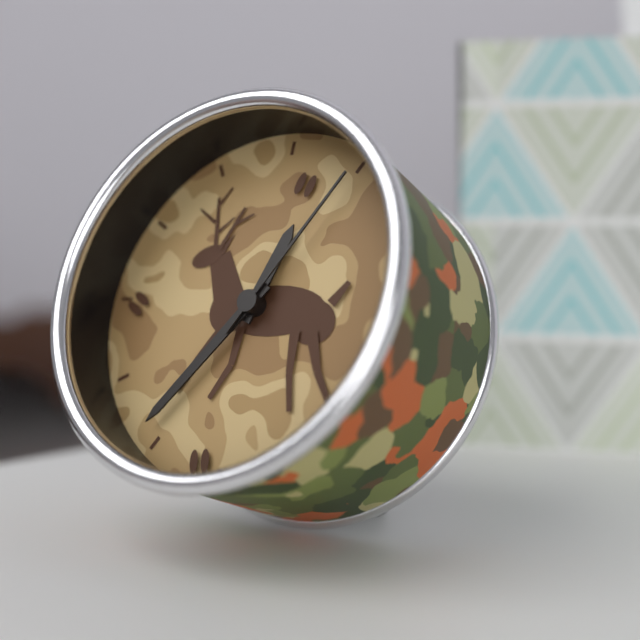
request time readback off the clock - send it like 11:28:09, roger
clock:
12:36:05
